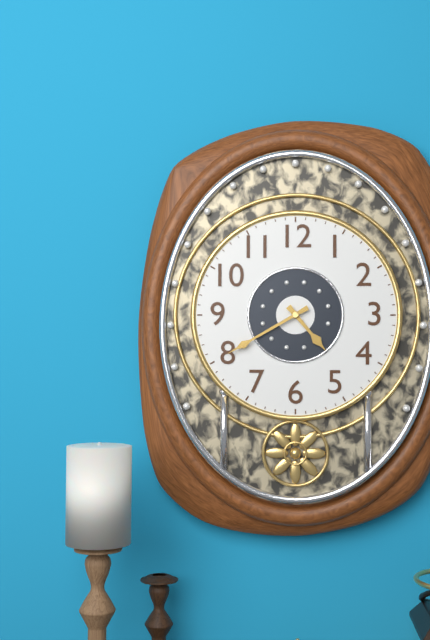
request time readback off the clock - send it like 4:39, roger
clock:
4:40
